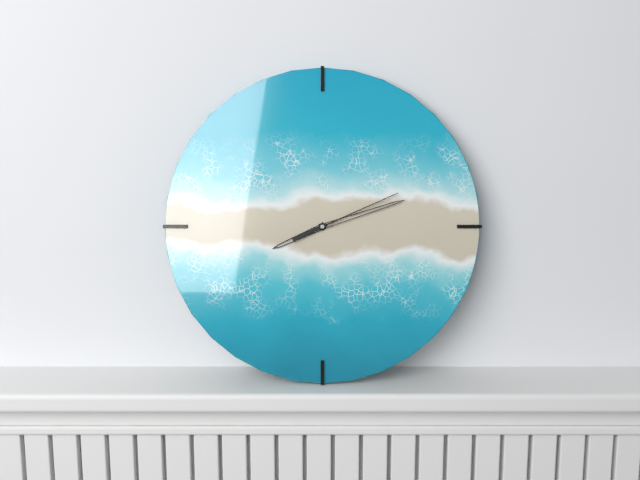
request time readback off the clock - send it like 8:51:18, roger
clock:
8:12:11
